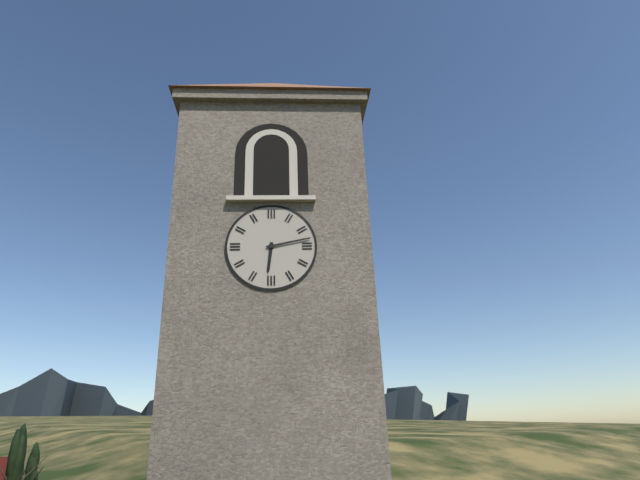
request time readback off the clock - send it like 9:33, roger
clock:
6:13
